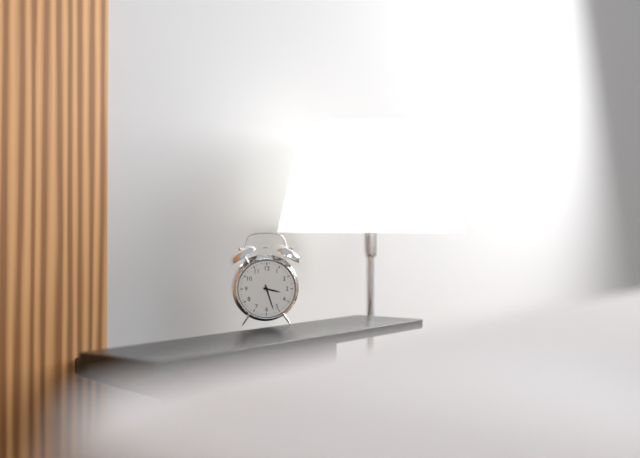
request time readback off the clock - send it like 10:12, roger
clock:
3:27
